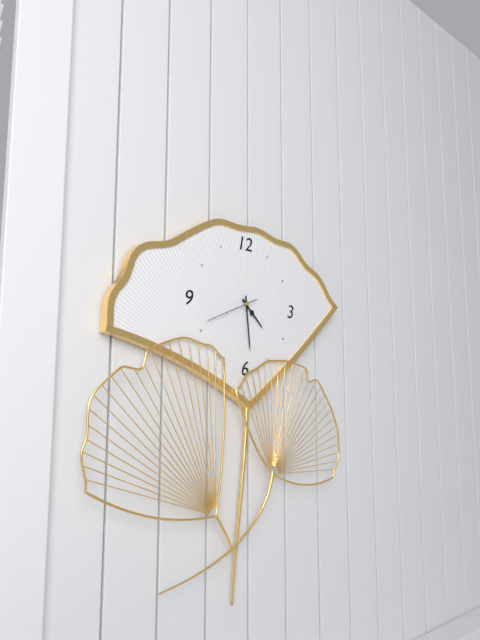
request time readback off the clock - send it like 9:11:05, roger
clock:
4:29:41
